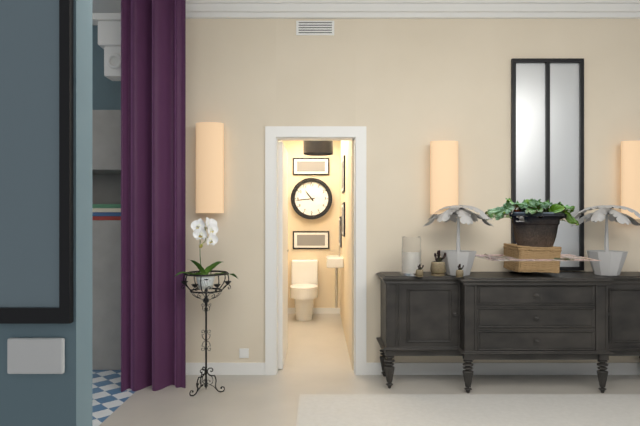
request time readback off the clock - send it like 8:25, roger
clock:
10:44
